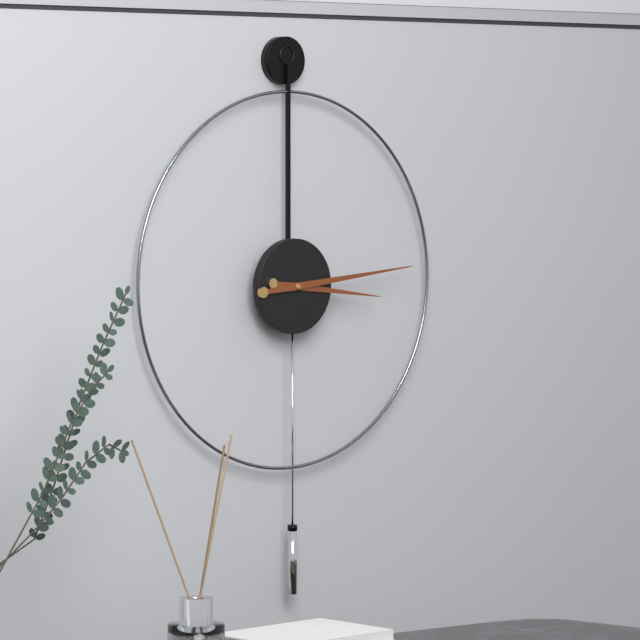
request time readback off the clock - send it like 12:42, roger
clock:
3:14
